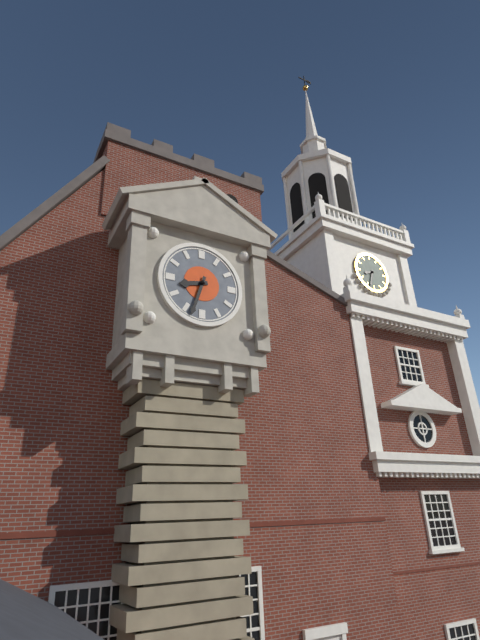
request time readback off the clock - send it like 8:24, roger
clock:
8:33
